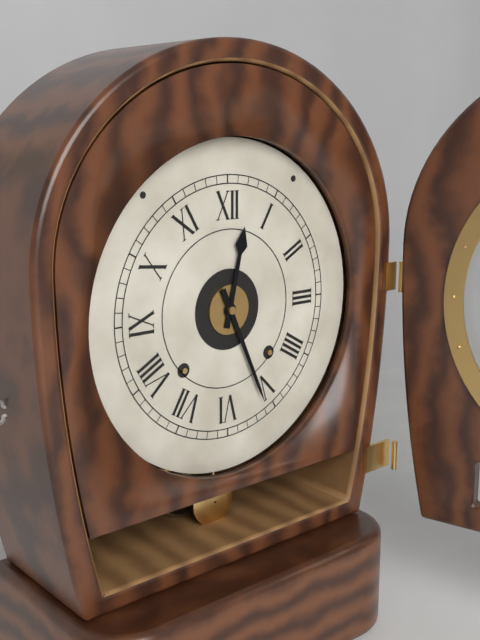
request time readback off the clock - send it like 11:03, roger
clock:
12:26
